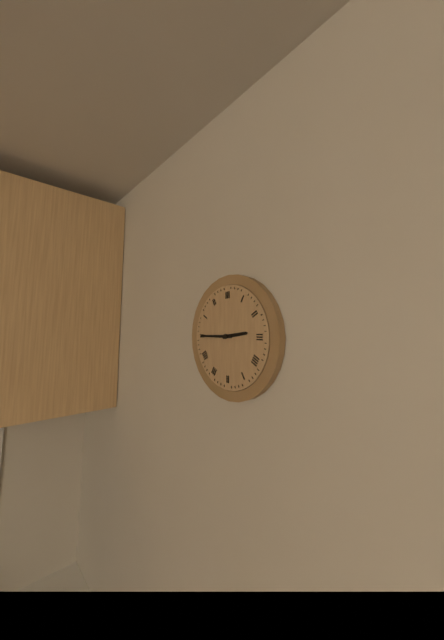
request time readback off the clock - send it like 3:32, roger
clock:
2:45
